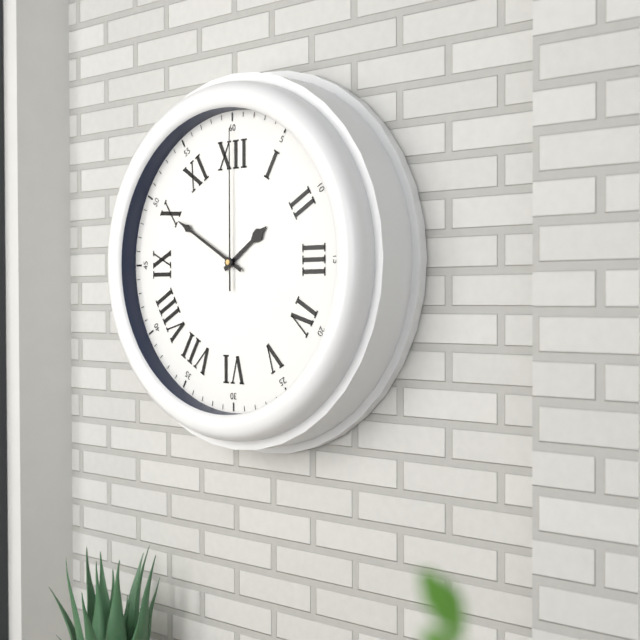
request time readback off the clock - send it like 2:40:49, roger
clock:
1:50:00
